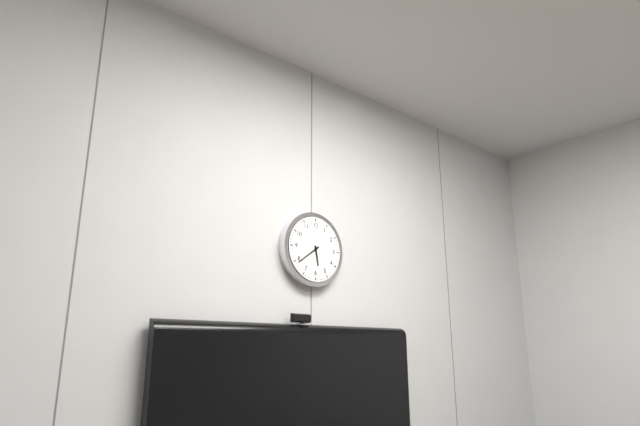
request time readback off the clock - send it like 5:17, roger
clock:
5:39
